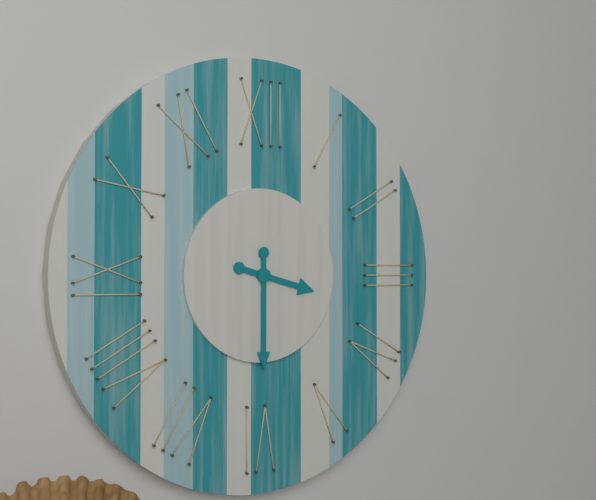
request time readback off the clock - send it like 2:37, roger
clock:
3:30
